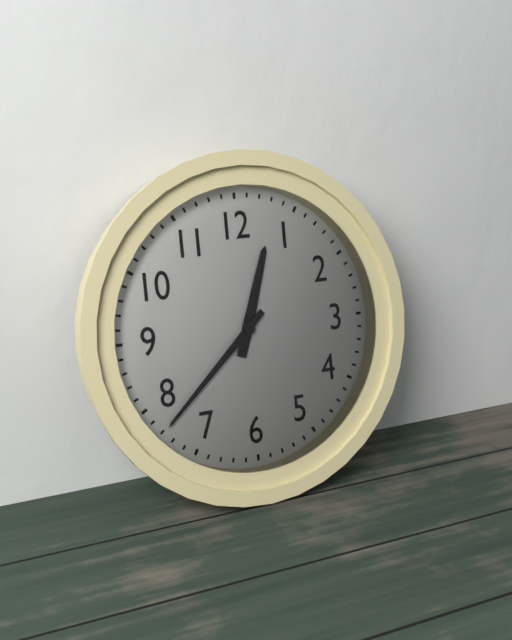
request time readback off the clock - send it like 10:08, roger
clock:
12:38
